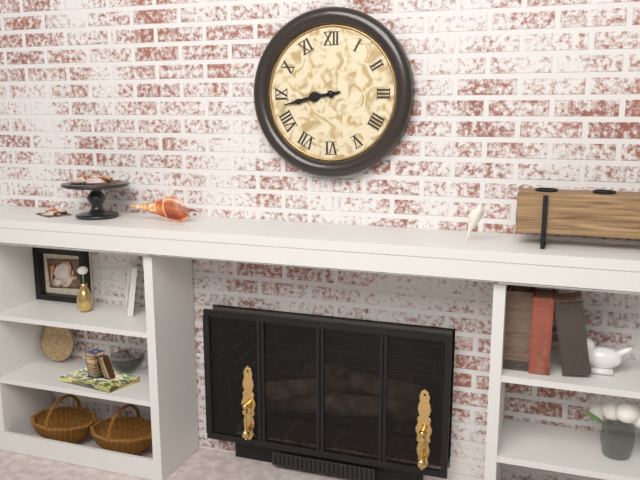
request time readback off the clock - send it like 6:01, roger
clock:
8:43
